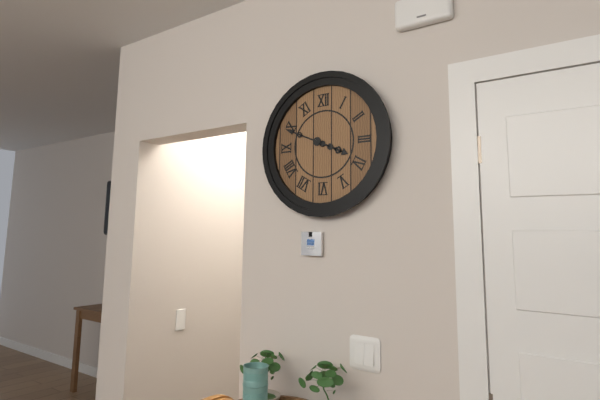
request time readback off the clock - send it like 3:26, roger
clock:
3:49
